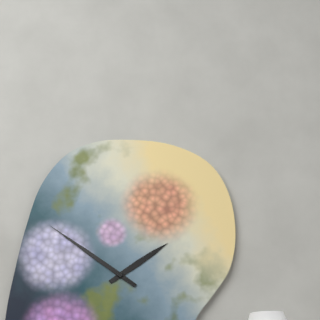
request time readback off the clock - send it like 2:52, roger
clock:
1:51
